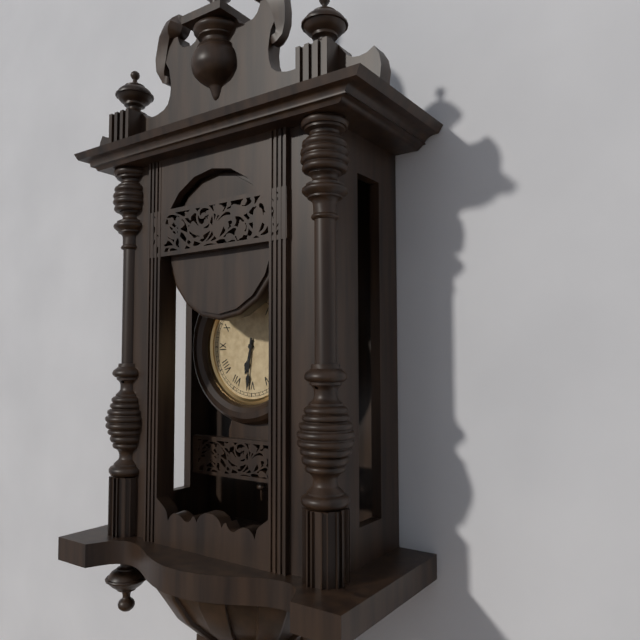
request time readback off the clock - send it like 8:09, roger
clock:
6:31
